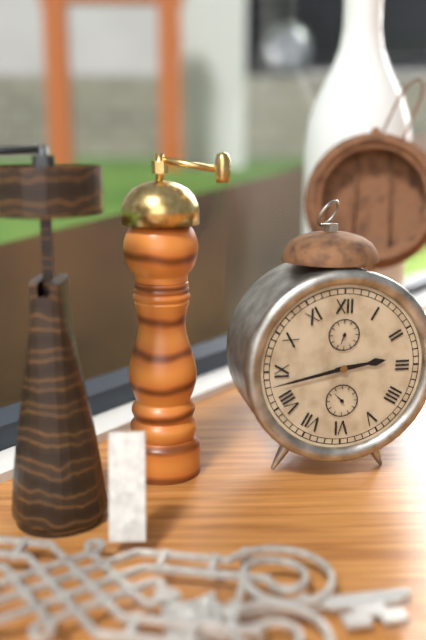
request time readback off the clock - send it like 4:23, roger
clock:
2:43
